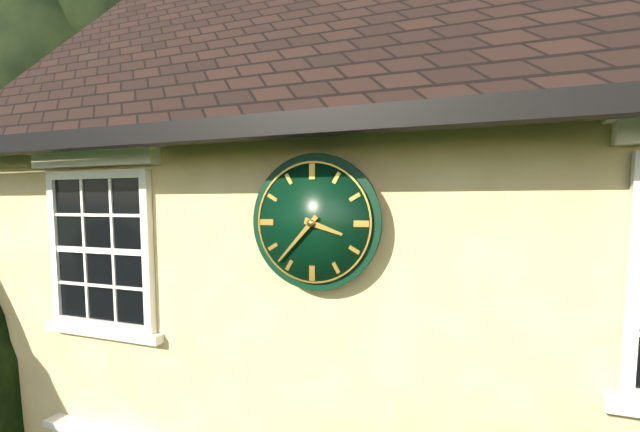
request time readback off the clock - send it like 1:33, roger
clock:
3:37
